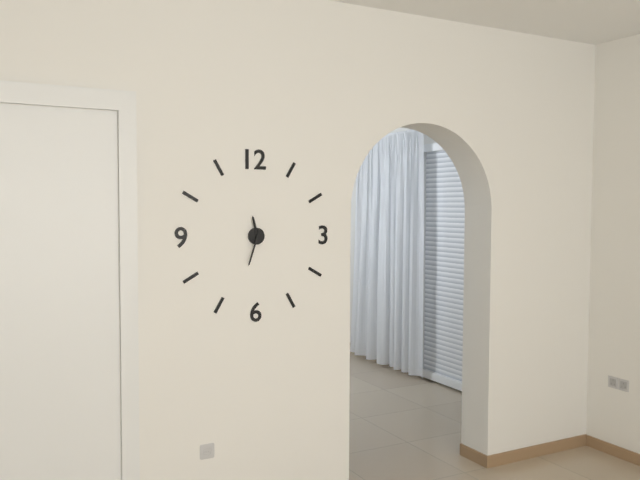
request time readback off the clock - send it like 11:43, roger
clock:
11:33
